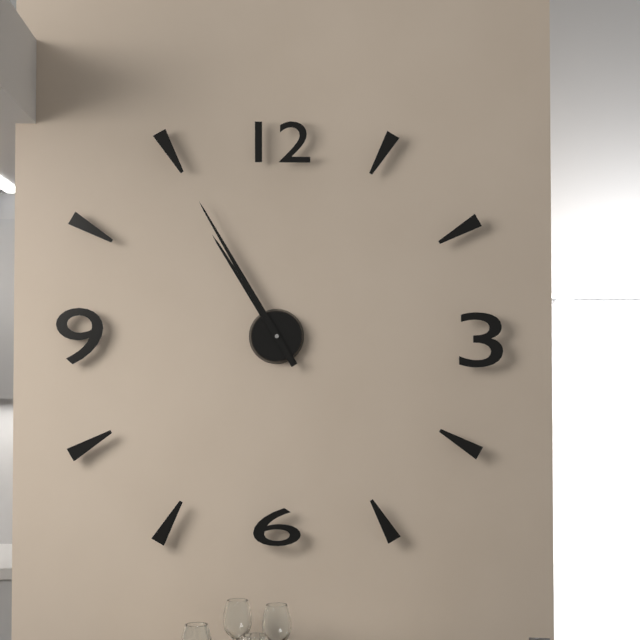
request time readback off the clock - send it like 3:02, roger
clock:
10:55
